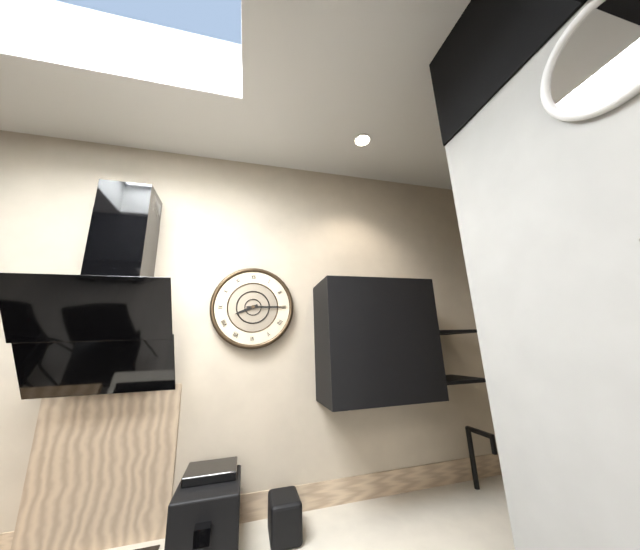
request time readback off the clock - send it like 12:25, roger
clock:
8:15
